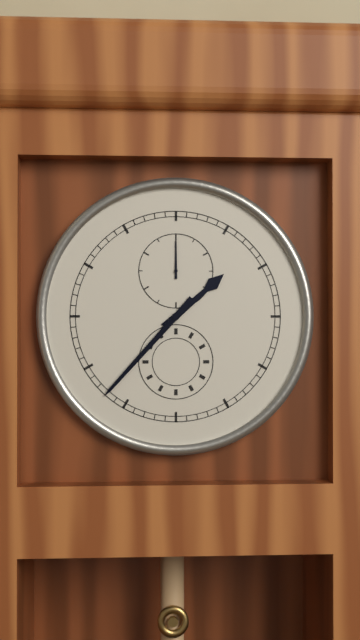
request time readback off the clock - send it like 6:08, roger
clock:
1:37
